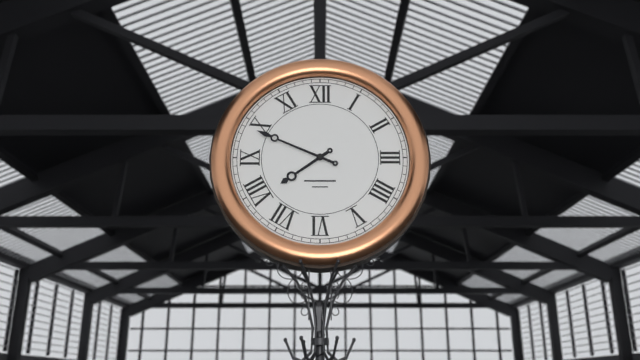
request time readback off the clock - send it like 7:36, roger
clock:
7:49
